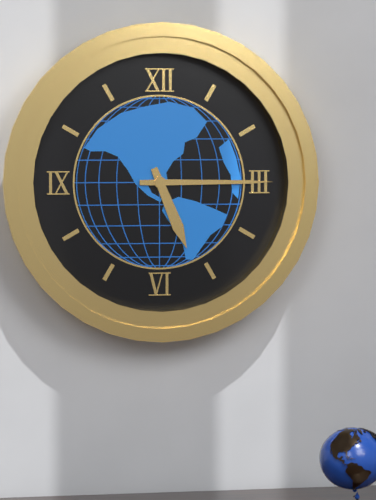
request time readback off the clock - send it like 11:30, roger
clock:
5:15
